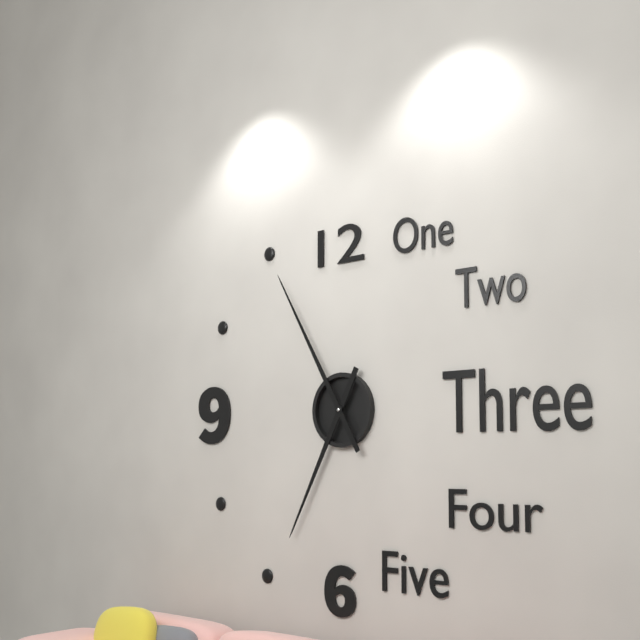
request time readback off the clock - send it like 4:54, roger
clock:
6:55
